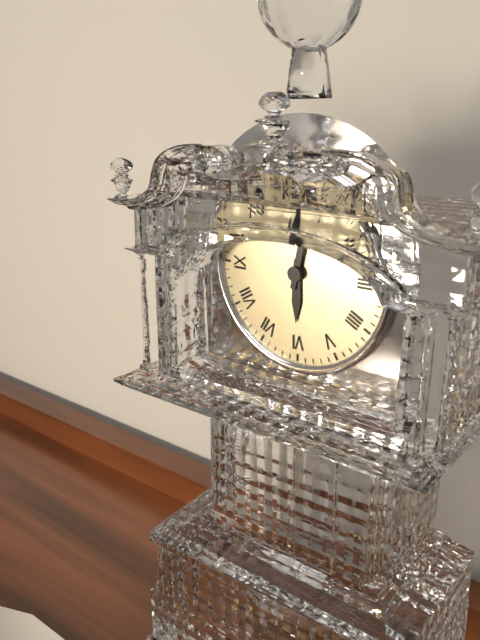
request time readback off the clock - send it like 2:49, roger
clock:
6:02
